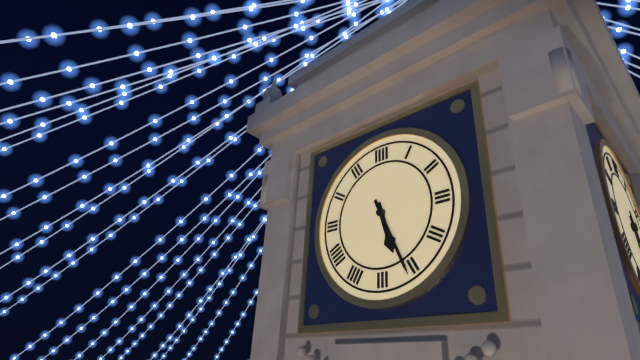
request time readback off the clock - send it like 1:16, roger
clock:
5:26
